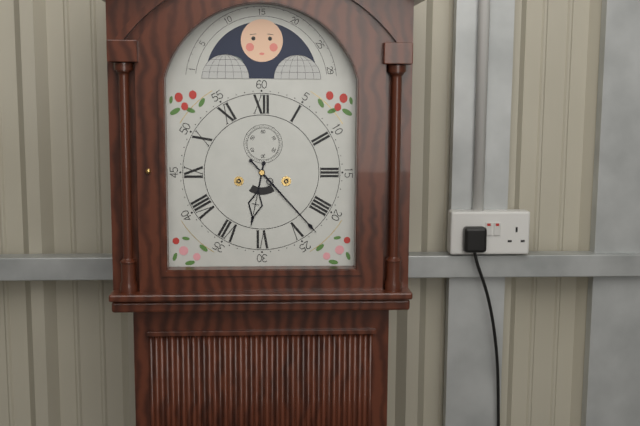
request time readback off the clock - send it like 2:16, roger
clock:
6:23
